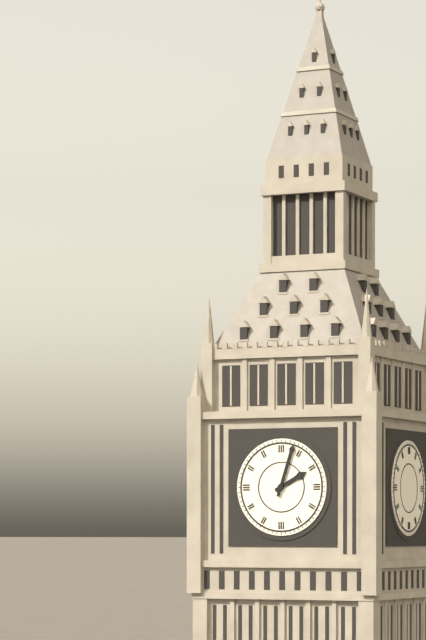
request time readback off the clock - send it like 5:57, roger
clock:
2:03
